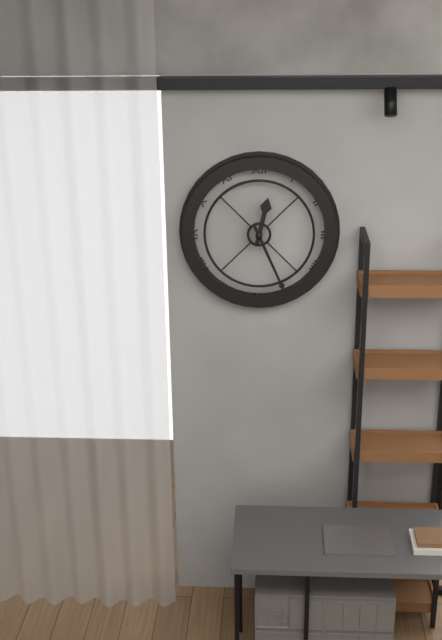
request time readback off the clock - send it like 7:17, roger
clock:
12:26
